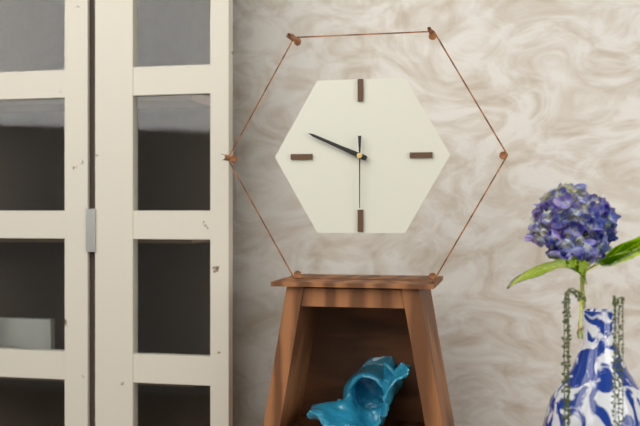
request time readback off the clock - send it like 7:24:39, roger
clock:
9:49:30
